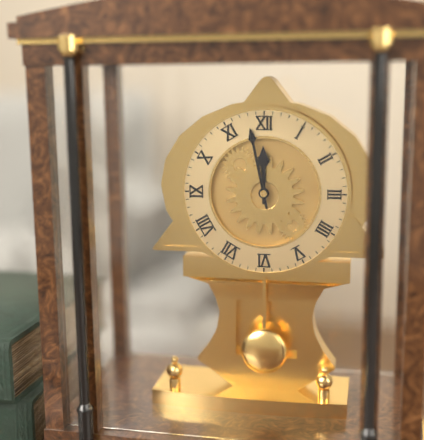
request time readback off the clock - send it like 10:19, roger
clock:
11:58
